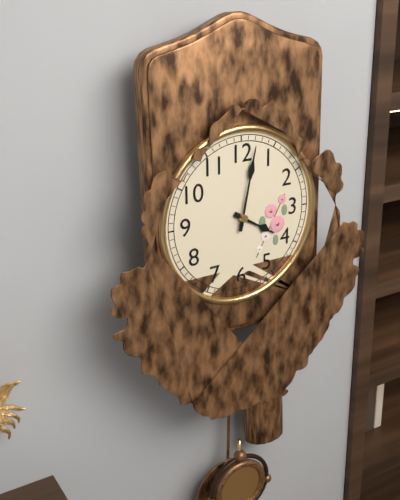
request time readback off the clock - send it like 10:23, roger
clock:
4:02
